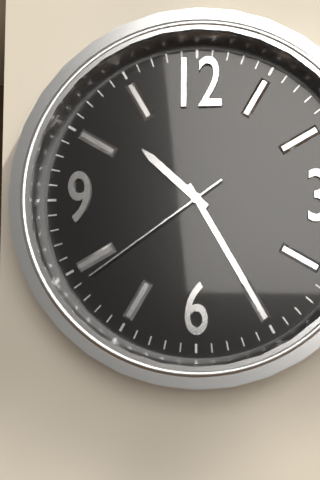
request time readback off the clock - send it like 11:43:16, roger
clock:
10:25:39
